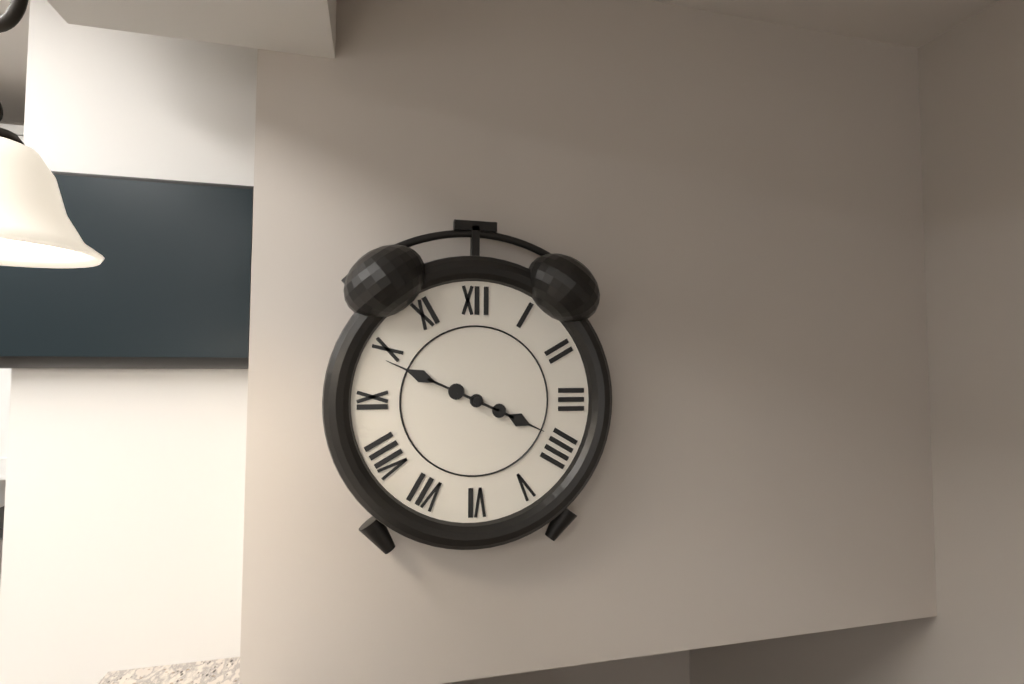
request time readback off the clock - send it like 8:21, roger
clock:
3:49
